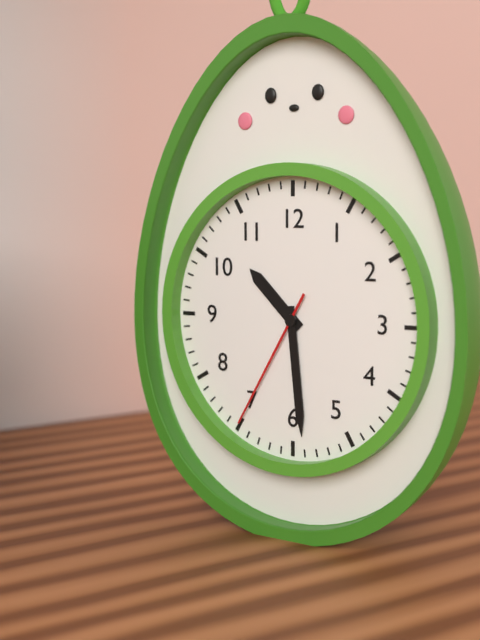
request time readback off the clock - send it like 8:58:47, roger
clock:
10:29:35
